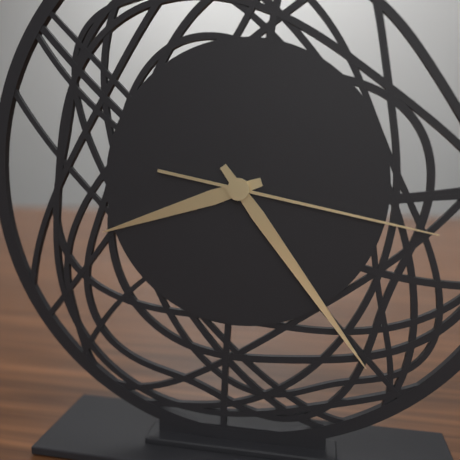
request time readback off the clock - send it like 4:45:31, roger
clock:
8:24:17
